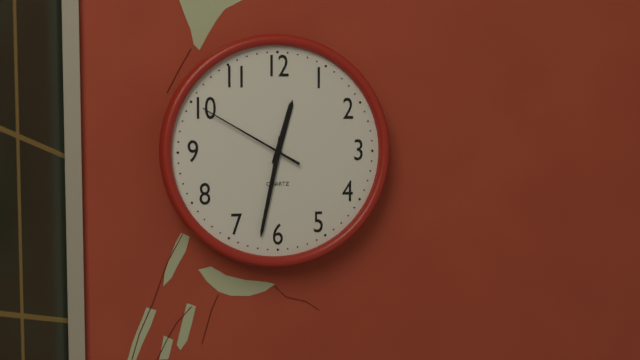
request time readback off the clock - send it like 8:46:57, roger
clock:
12:32:50
